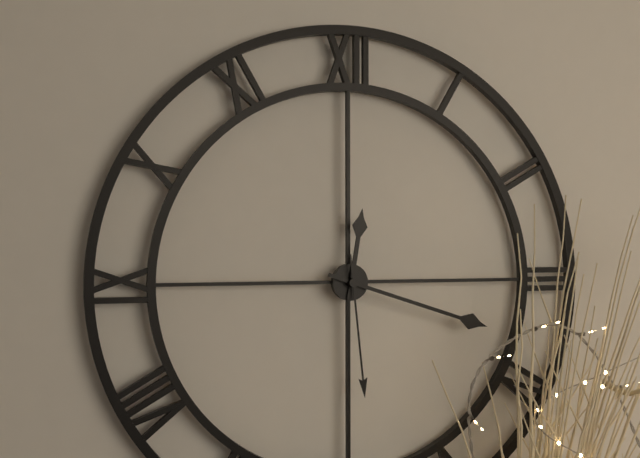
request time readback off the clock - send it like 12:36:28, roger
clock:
12:18:29
